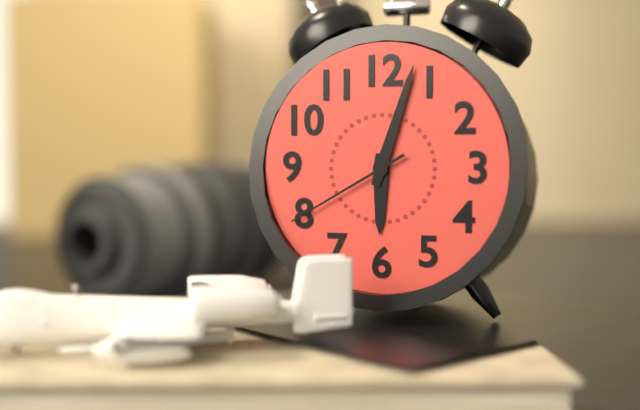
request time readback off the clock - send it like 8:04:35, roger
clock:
6:03:40
